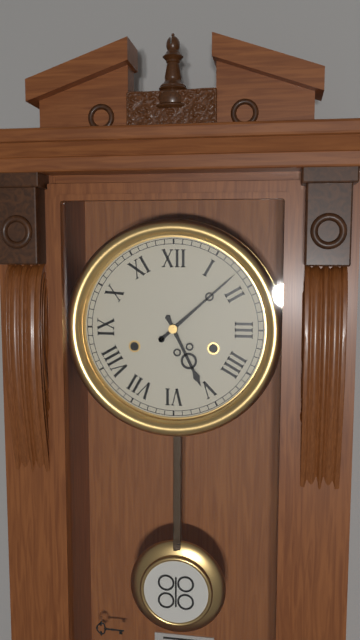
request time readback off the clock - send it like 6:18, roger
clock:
5:08
